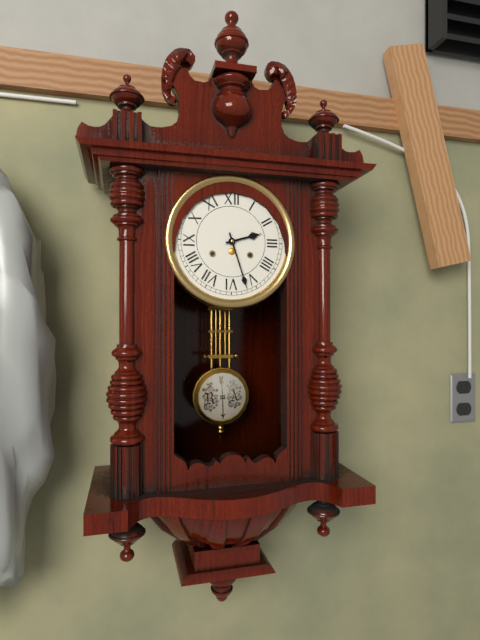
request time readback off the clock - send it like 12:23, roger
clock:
2:27
